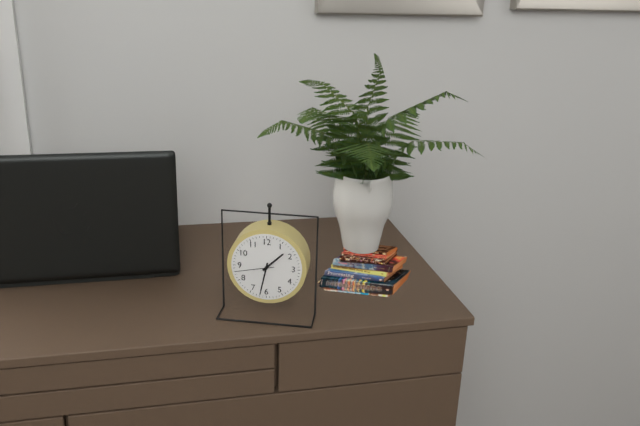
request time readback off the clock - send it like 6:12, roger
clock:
1:32
